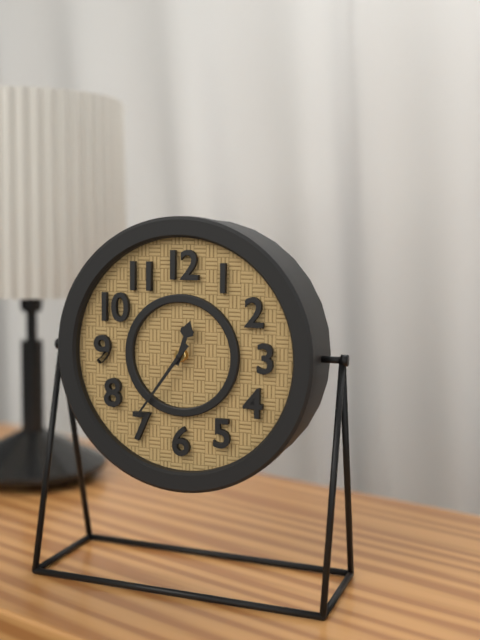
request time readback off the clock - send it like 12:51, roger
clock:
12:36
